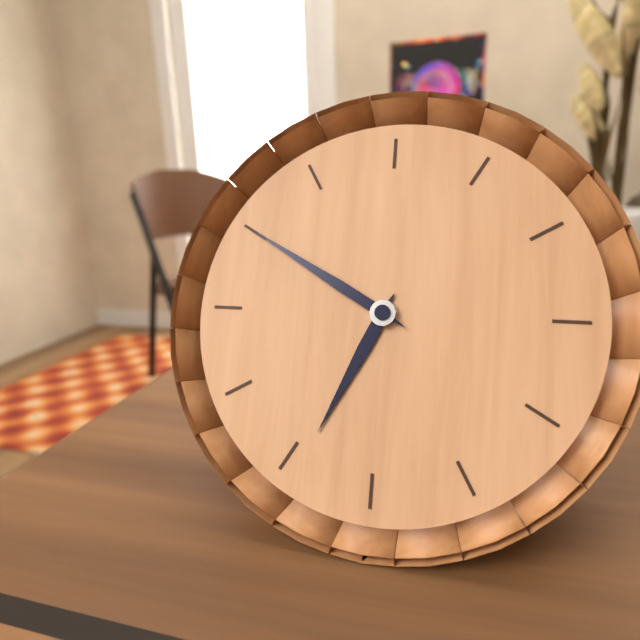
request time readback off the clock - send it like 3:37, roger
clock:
6:50
